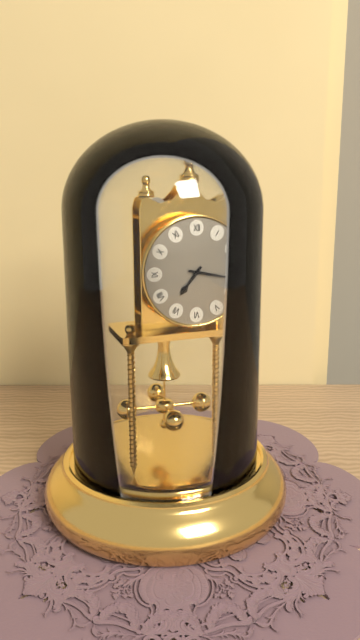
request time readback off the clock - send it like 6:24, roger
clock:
7:17
